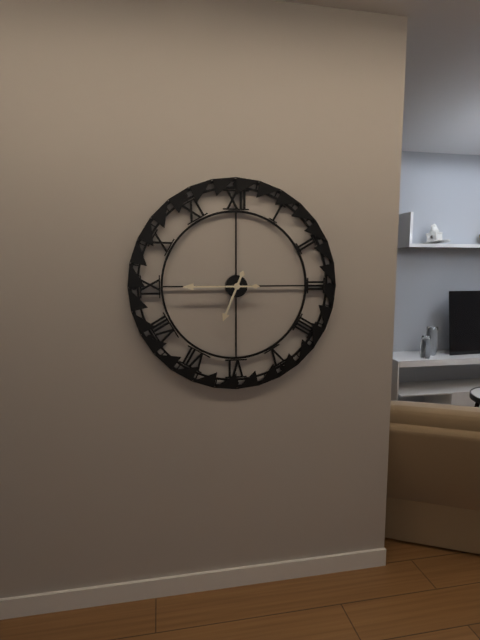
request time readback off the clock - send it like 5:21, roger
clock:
6:45
